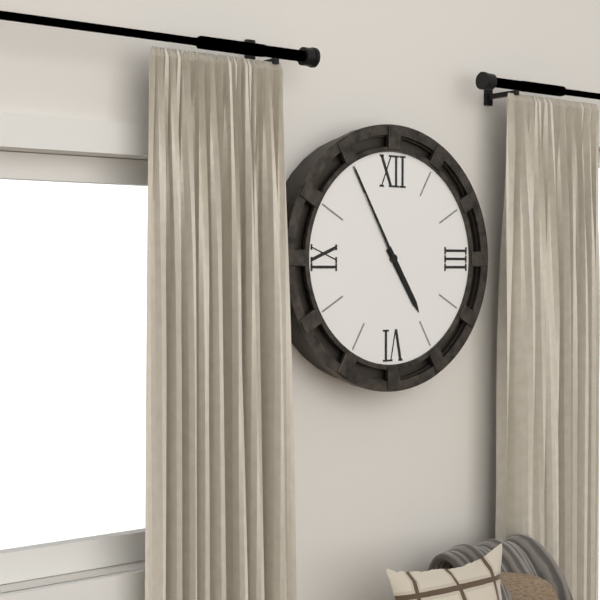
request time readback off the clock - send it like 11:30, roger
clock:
4:55
